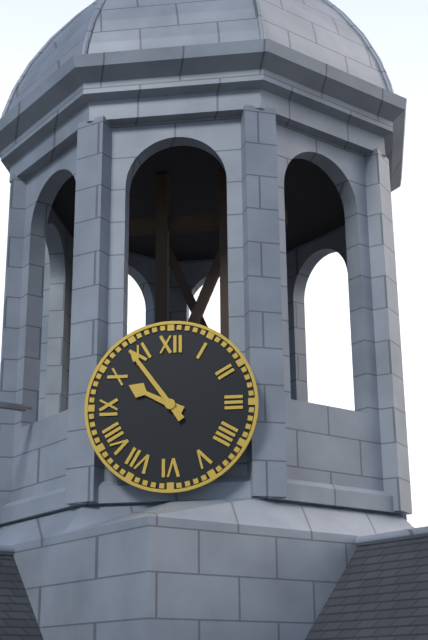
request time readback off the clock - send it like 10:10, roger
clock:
9:54
